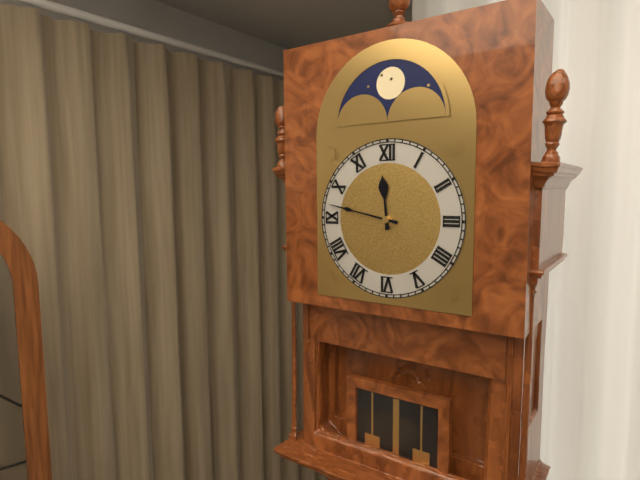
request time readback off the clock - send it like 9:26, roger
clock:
11:47
